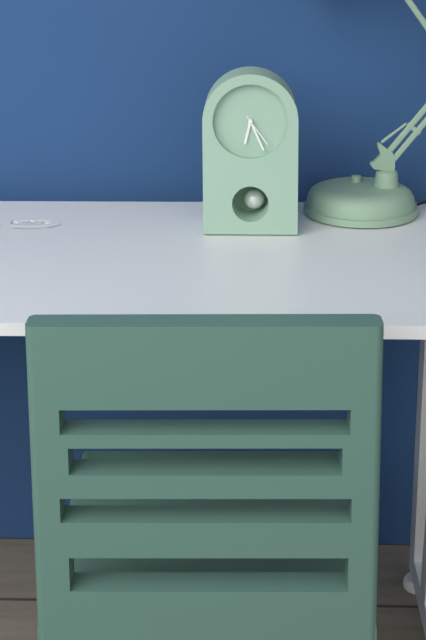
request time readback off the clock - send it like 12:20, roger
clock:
6:26
